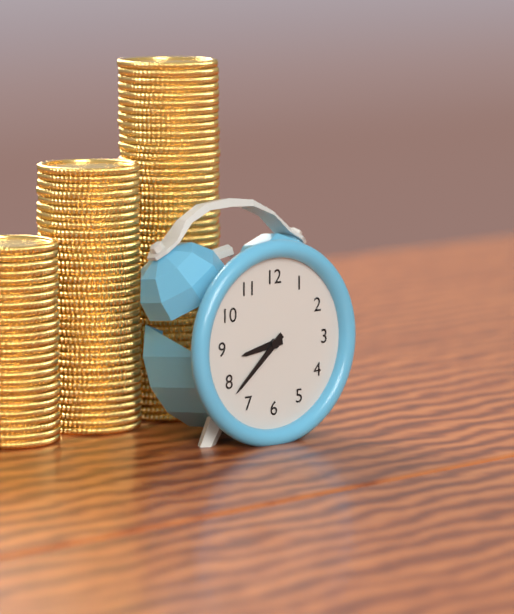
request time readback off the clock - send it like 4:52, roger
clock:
8:38
